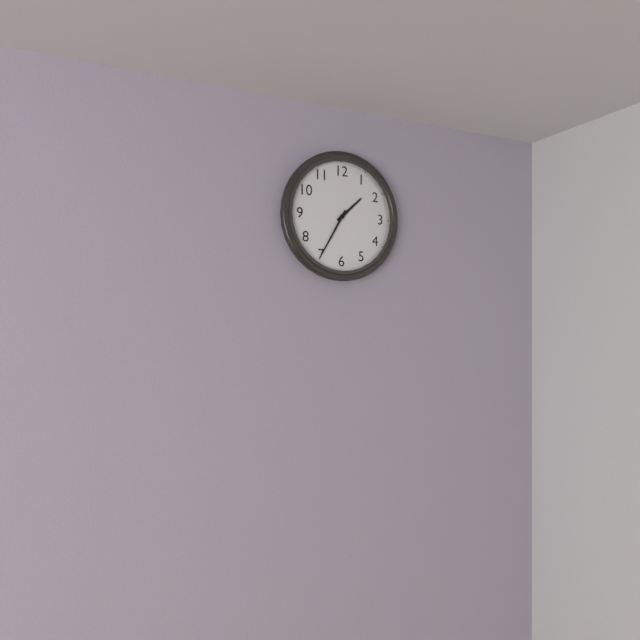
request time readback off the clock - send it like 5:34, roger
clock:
1:35
